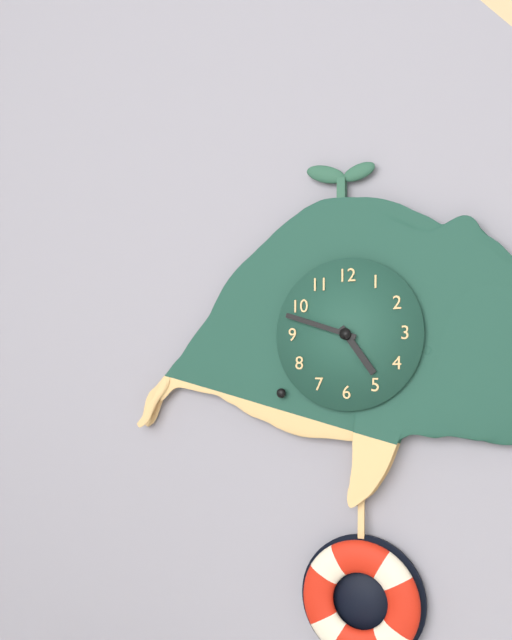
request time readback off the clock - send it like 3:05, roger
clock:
4:48
